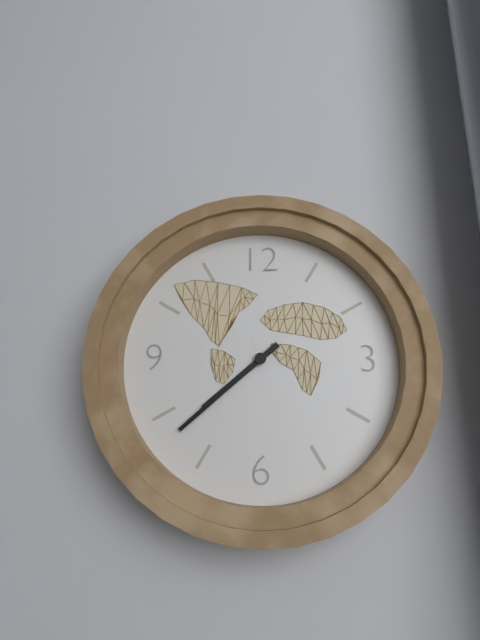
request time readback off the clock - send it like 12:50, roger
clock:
7:38
